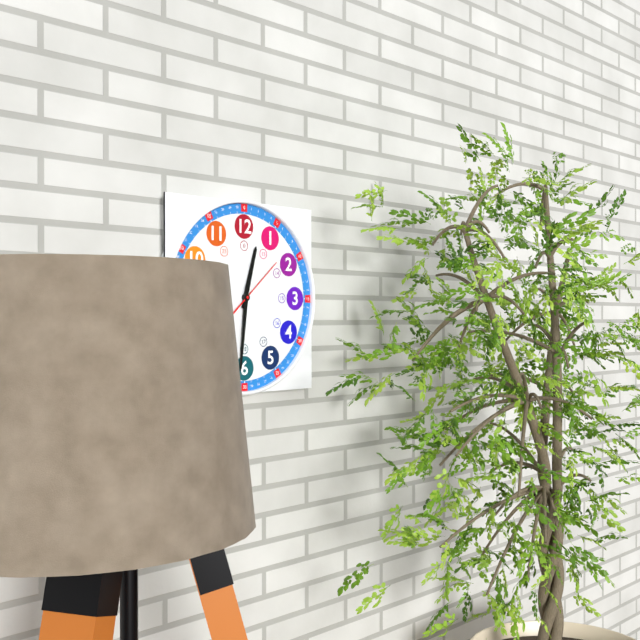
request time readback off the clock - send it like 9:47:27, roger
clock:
12:31:08
